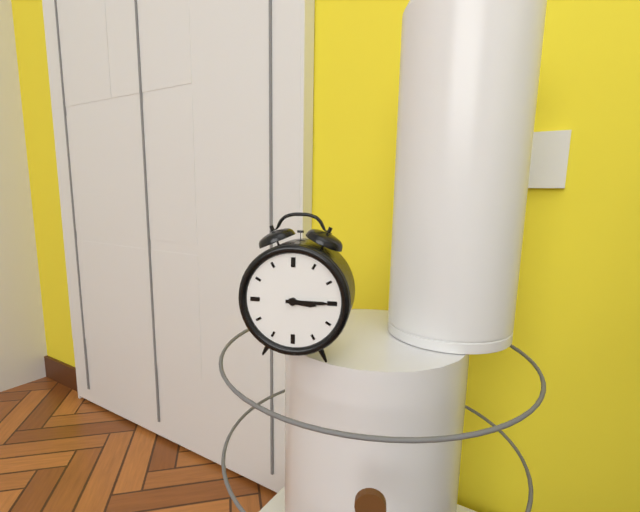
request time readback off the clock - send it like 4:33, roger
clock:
3:15
